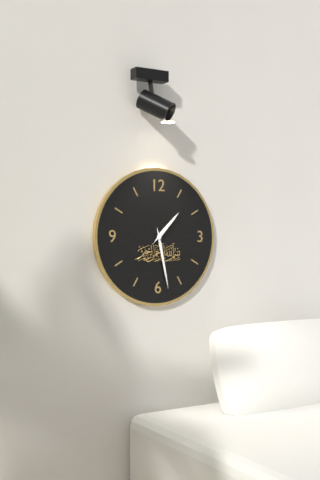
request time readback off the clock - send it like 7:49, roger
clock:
1:28
